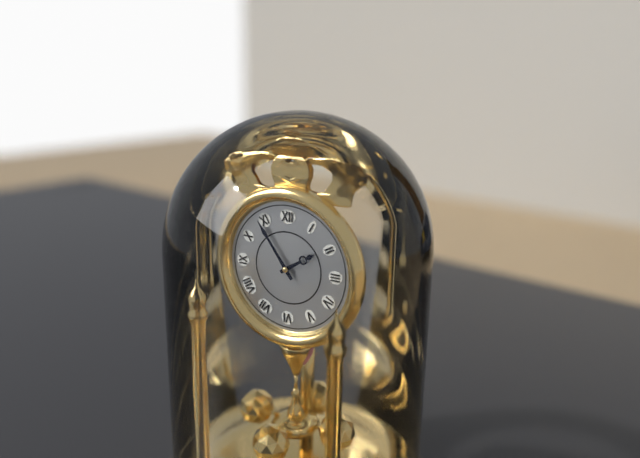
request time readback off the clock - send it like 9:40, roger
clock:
1:54
